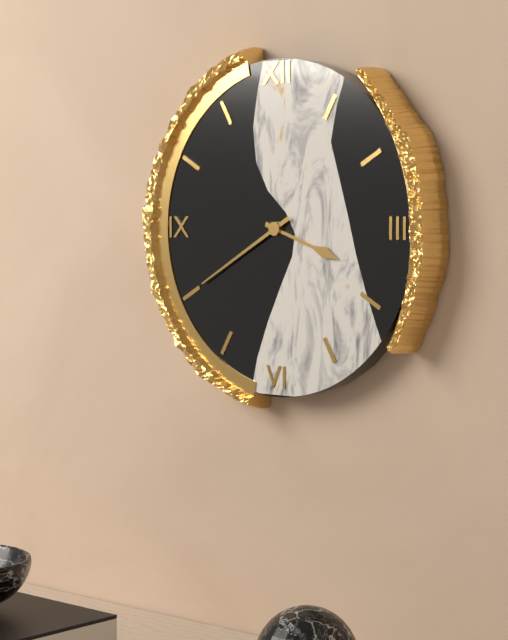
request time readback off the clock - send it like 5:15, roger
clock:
3:40
